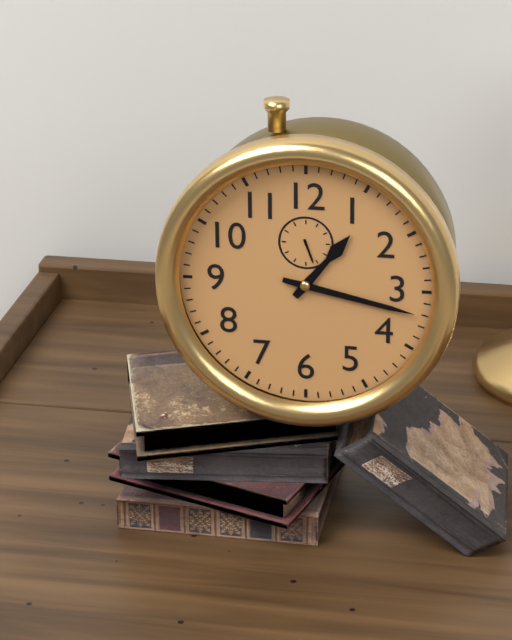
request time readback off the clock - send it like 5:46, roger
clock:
1:17
